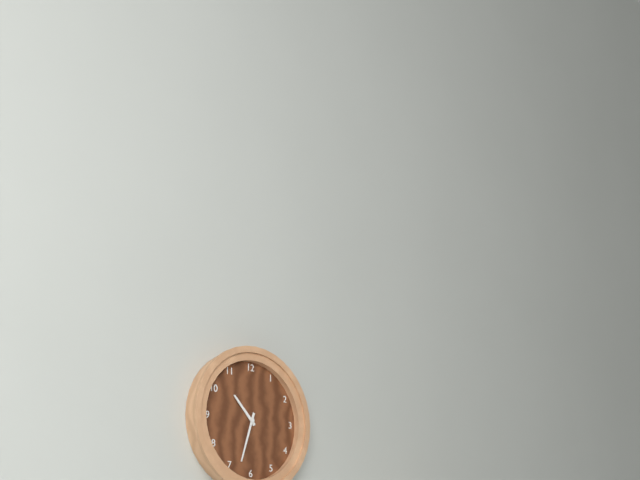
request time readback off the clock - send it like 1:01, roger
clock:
10:33
